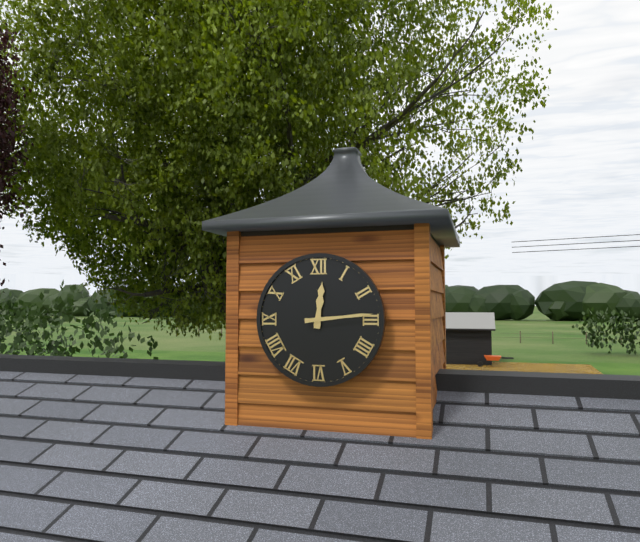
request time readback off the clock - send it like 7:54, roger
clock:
12:14
